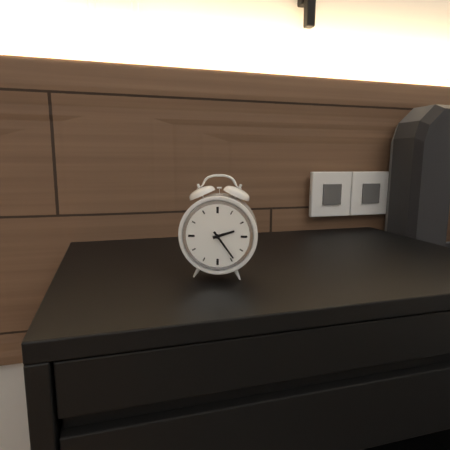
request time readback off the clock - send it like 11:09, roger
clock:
2:24
